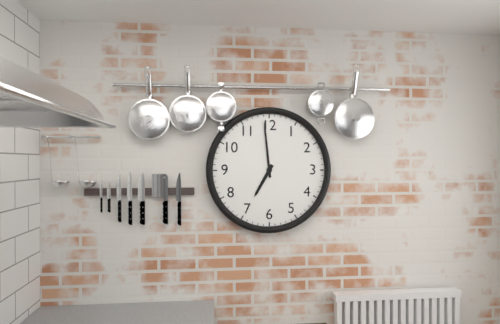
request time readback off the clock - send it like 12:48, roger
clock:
6:59
